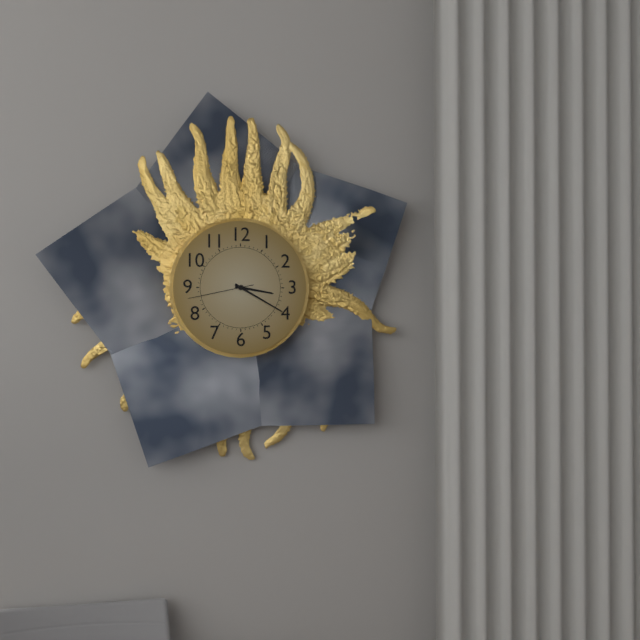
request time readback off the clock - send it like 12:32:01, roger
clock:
3:20:43
